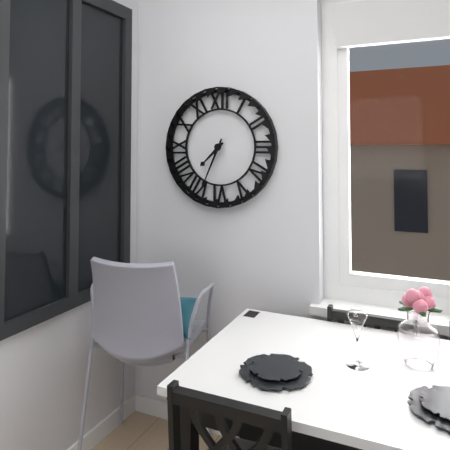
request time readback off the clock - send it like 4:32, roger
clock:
7:34
